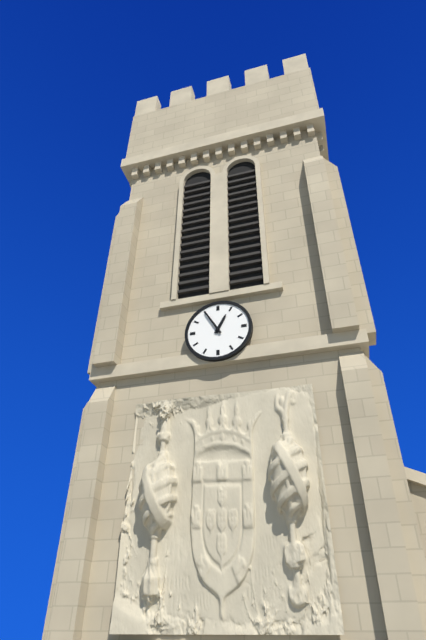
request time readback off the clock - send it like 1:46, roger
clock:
12:55
